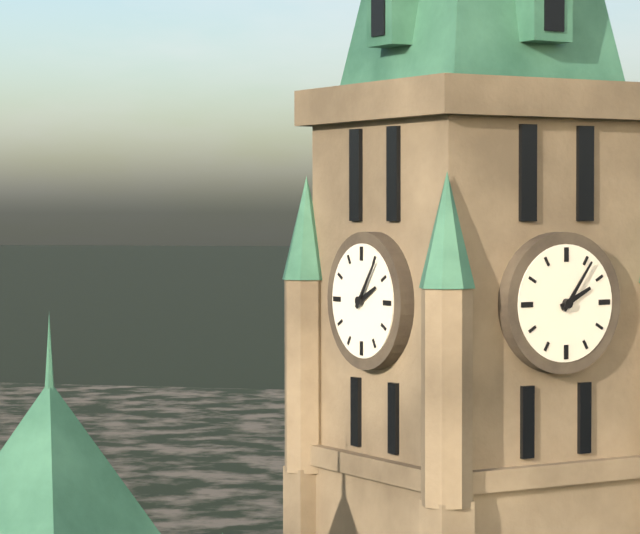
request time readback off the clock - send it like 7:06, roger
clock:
2:06
